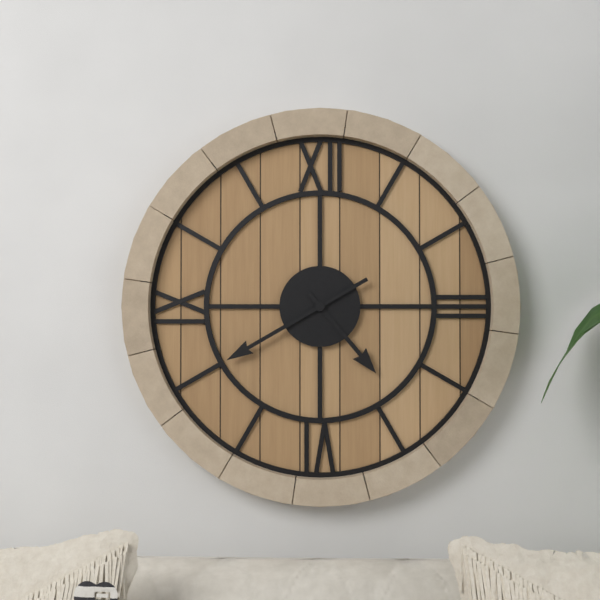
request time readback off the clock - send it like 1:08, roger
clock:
4:40
